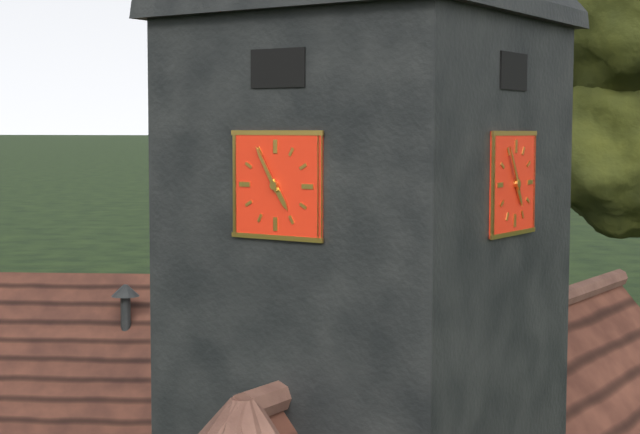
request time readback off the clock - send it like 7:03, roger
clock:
4:55
